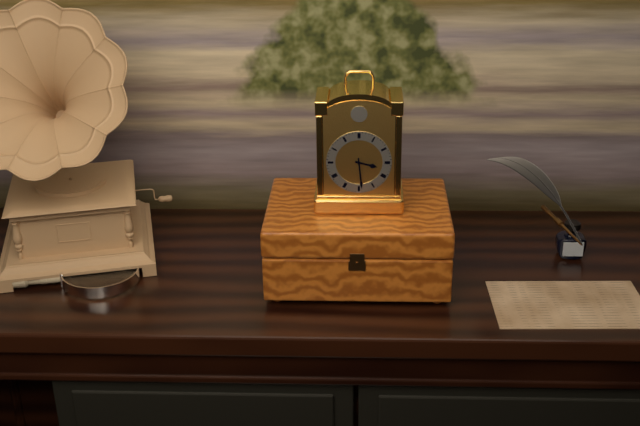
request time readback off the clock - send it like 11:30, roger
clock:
3:29
